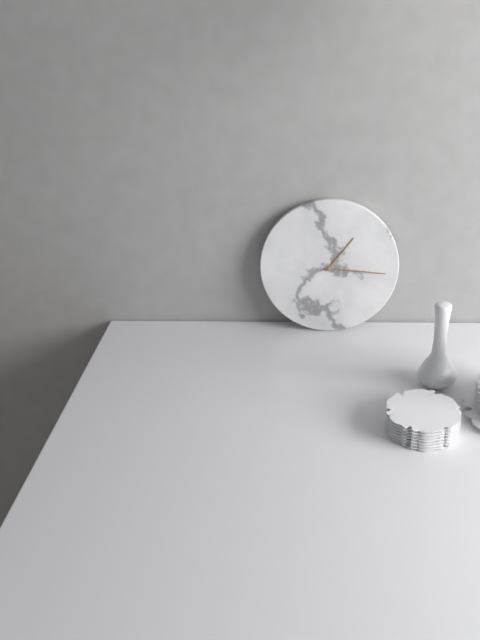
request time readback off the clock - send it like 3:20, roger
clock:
1:16
